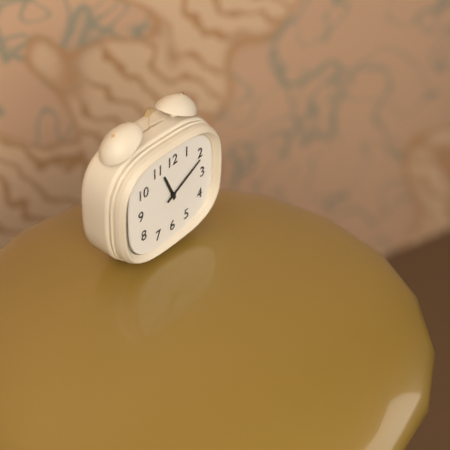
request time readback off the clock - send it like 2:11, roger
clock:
11:11
